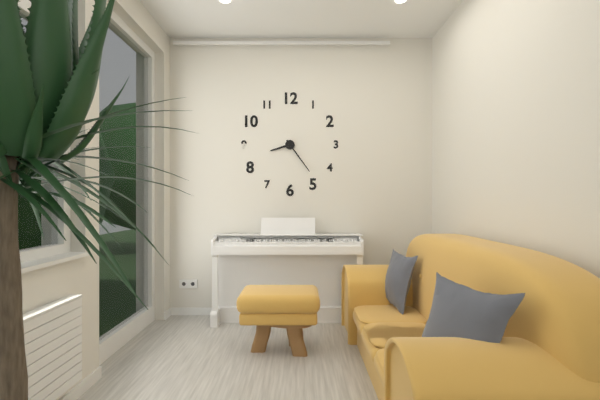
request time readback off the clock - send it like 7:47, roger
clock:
8:24
